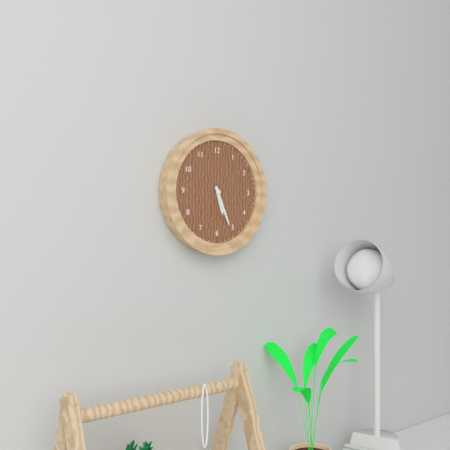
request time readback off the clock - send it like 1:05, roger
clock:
5:26
